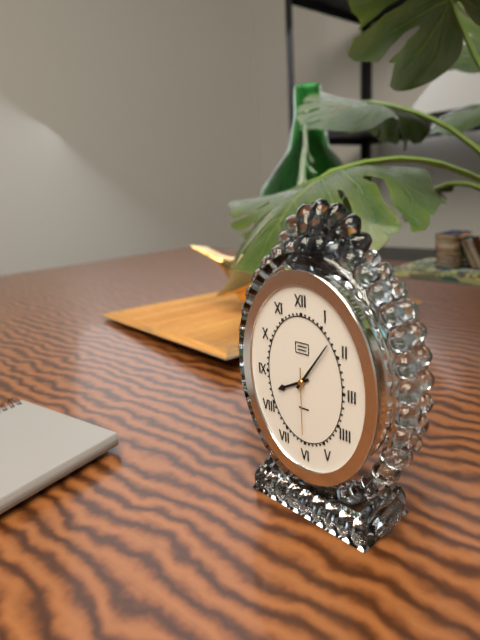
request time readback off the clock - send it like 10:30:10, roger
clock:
8:06:30
